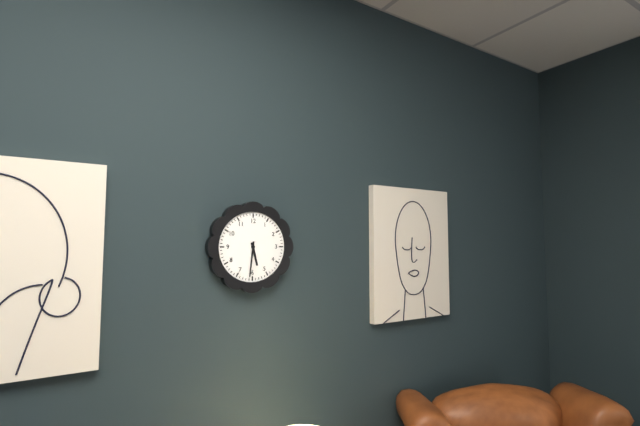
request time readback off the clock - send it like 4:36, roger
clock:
5:31
